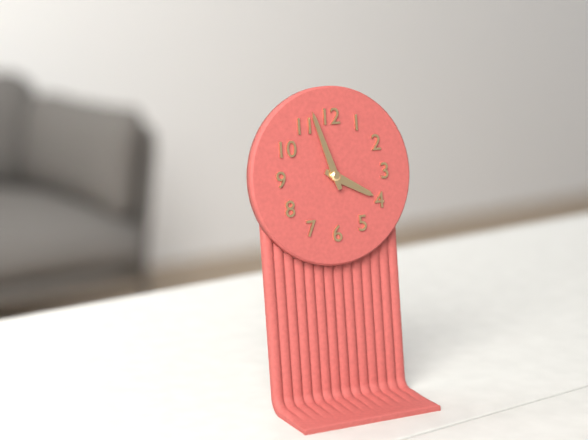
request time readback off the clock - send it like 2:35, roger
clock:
3:57
